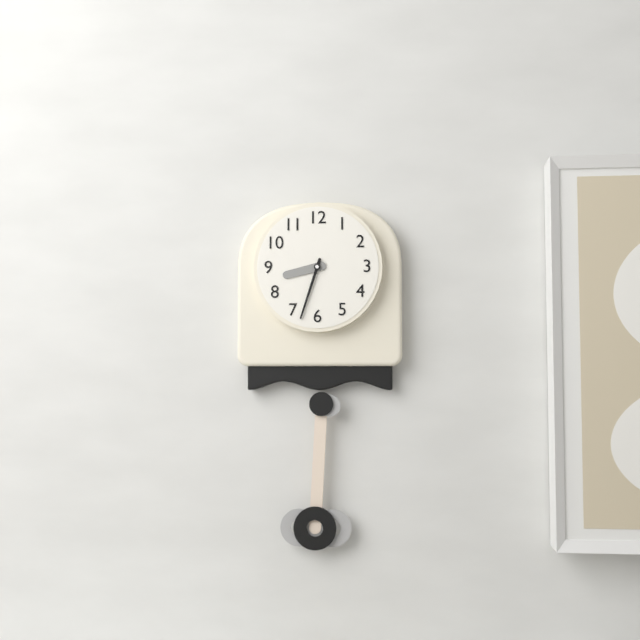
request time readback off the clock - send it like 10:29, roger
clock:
8:33
